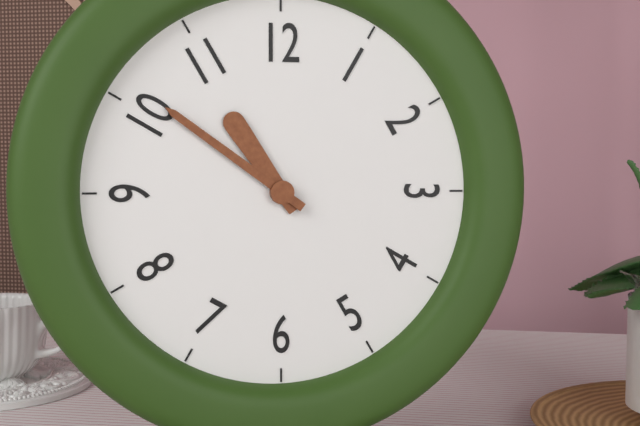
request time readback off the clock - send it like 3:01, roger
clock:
10:51
